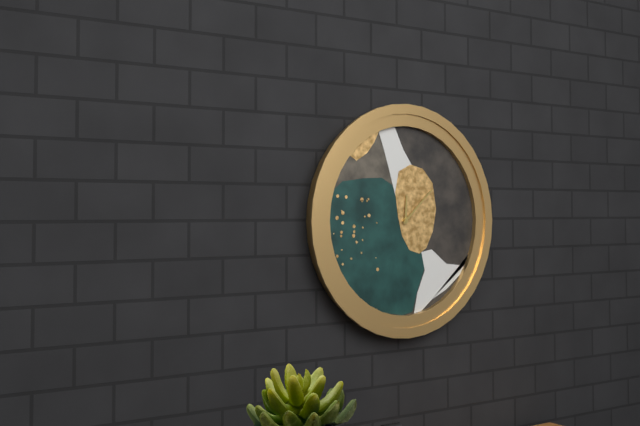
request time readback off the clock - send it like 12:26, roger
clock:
12:08
